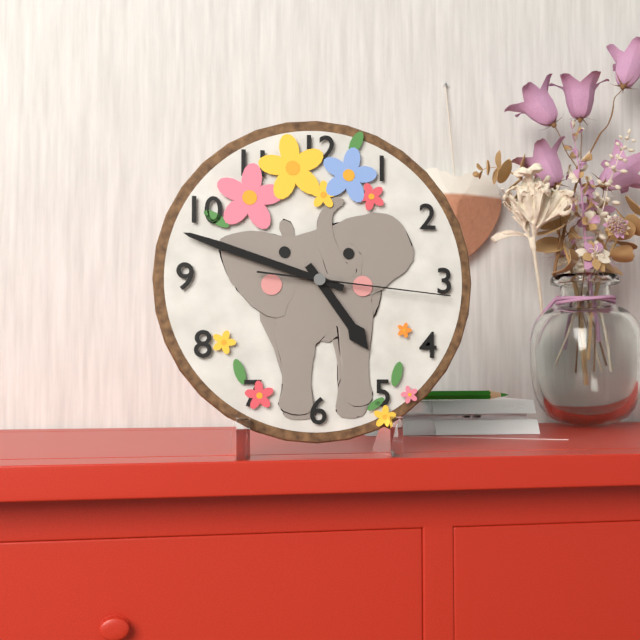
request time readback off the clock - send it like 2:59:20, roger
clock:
4:48:16
